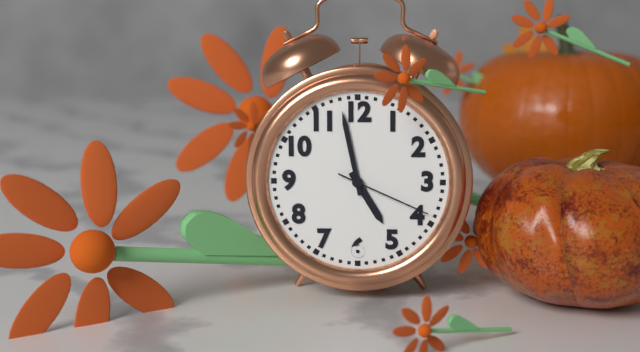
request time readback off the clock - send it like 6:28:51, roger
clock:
4:58:19
